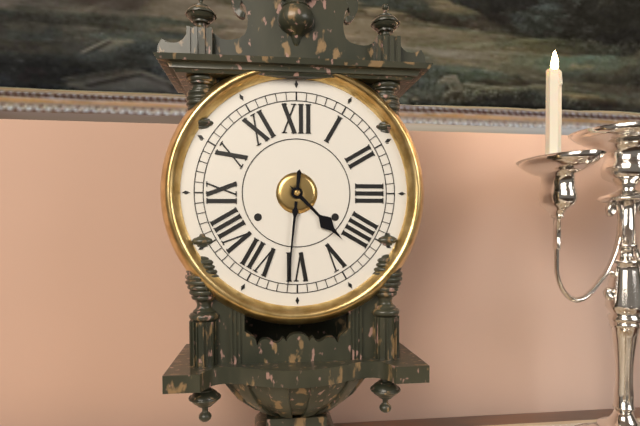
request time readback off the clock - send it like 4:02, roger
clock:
4:31
